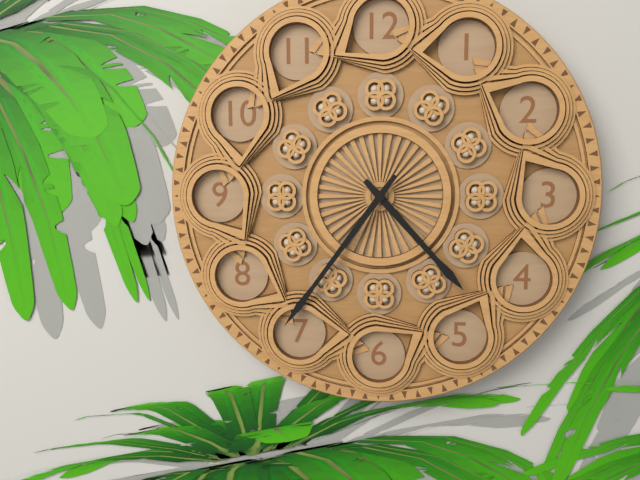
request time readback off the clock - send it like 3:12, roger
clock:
4:36
